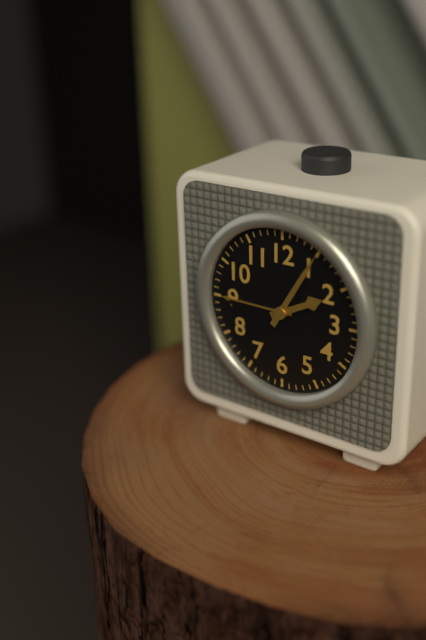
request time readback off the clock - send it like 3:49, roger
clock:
2:05
